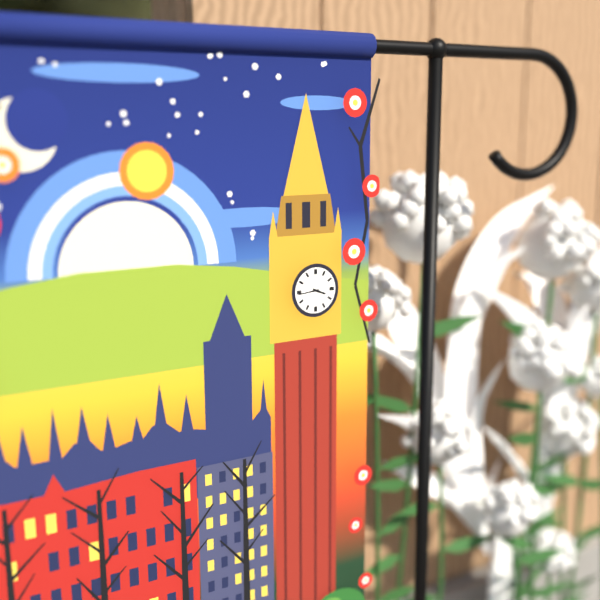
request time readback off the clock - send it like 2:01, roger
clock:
3:44
